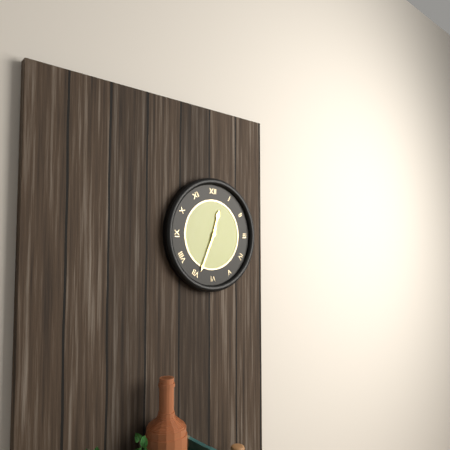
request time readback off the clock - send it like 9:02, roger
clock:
12:34
